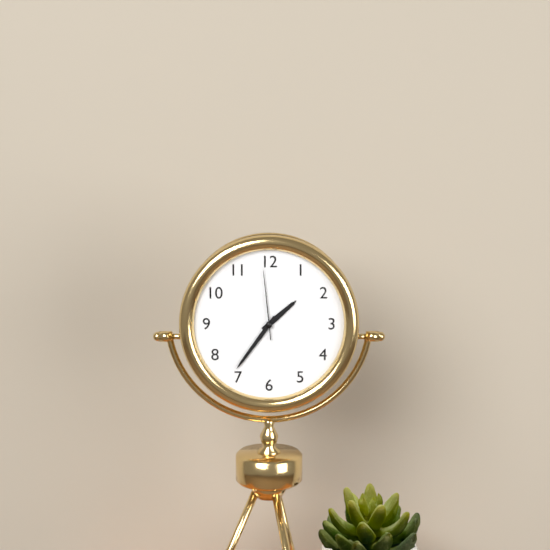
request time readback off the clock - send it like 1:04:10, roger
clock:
1:36:59
